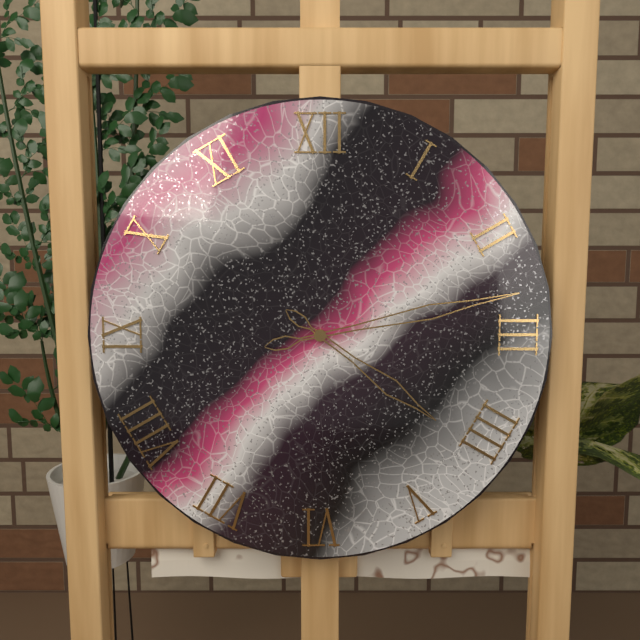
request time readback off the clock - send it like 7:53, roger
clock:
4:13
